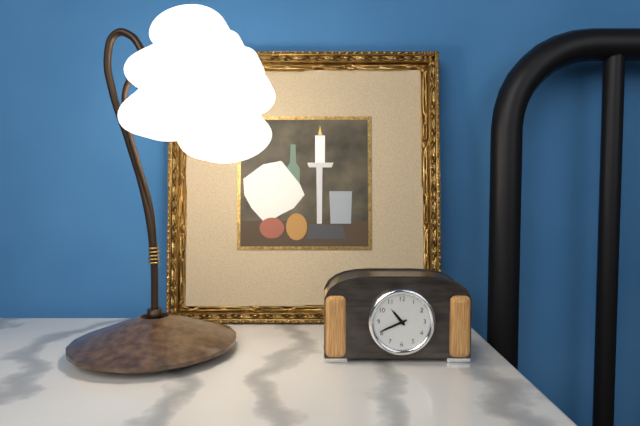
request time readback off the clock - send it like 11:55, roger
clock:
10:41
